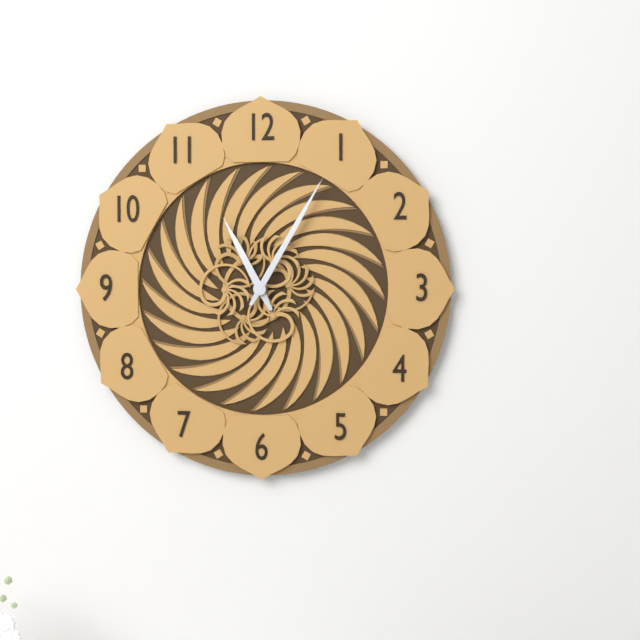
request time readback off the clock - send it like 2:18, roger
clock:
11:05
